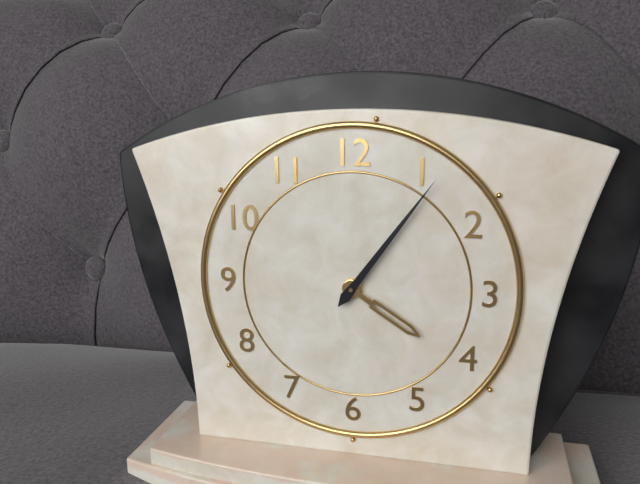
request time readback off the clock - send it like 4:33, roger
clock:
4:06
